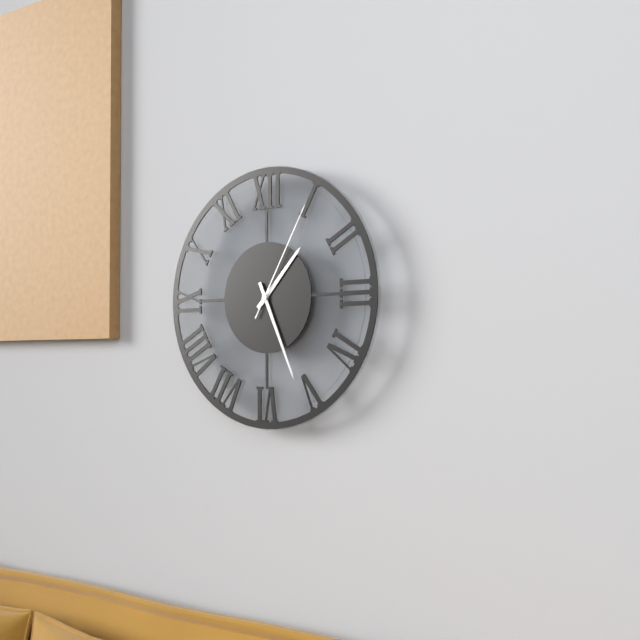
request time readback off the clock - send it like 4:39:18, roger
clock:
1:26:05
